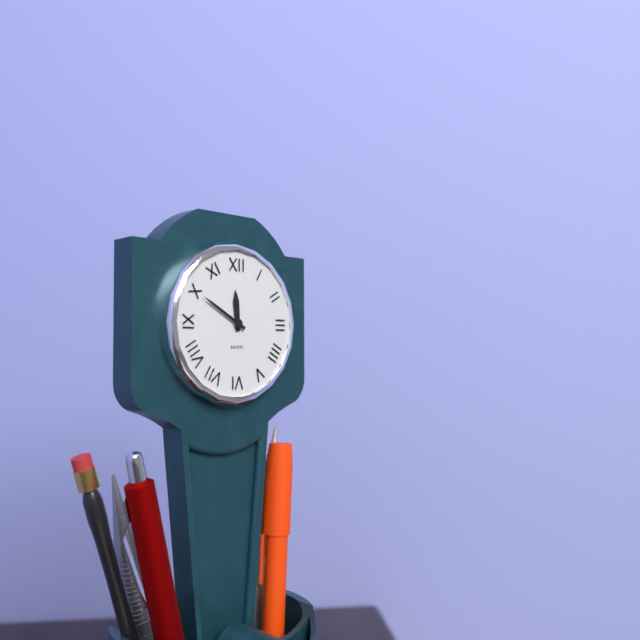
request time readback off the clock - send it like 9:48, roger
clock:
11:50
